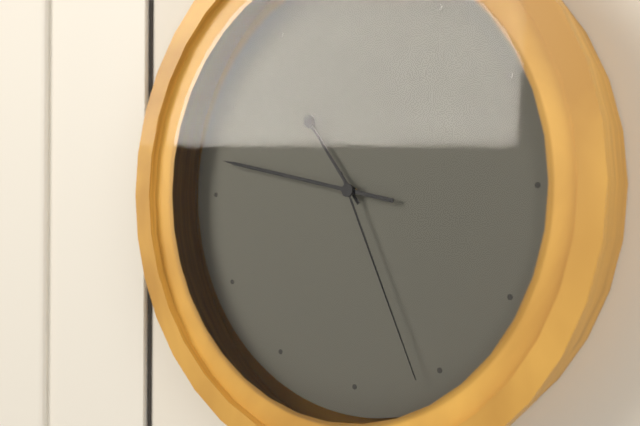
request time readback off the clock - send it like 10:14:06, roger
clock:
10:47:26
